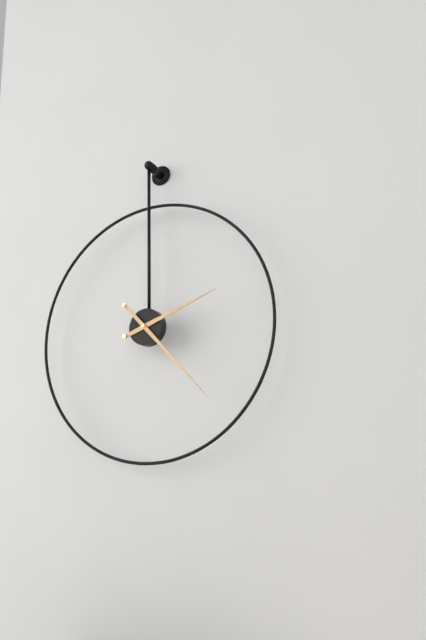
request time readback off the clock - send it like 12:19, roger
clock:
2:23
